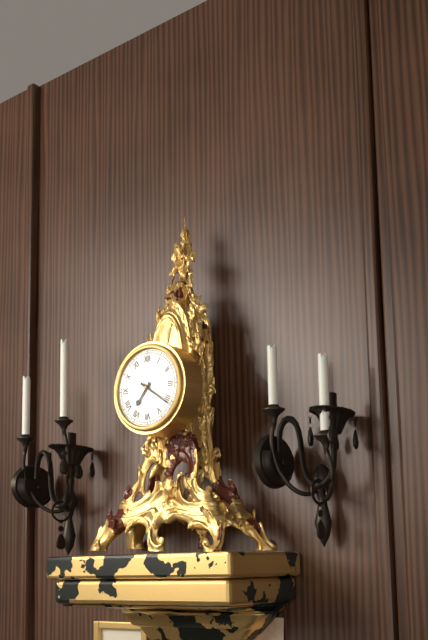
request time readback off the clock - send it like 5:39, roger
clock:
7:21
